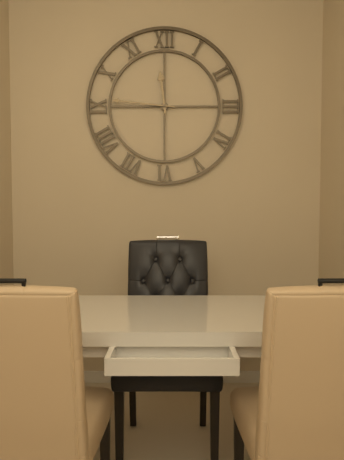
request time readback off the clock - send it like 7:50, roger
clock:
11:46
